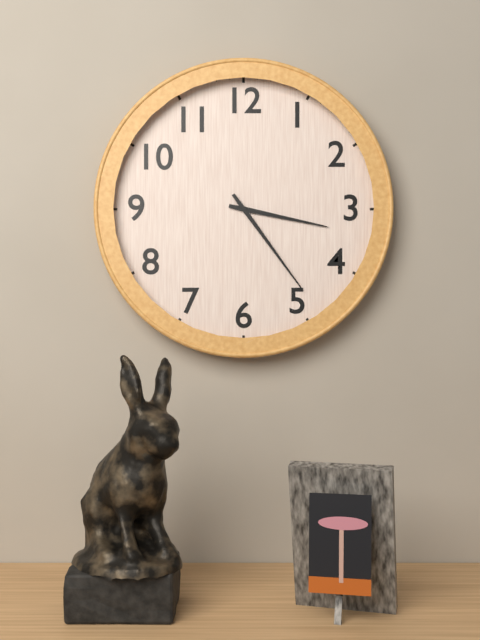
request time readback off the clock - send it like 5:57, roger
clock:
3:24
